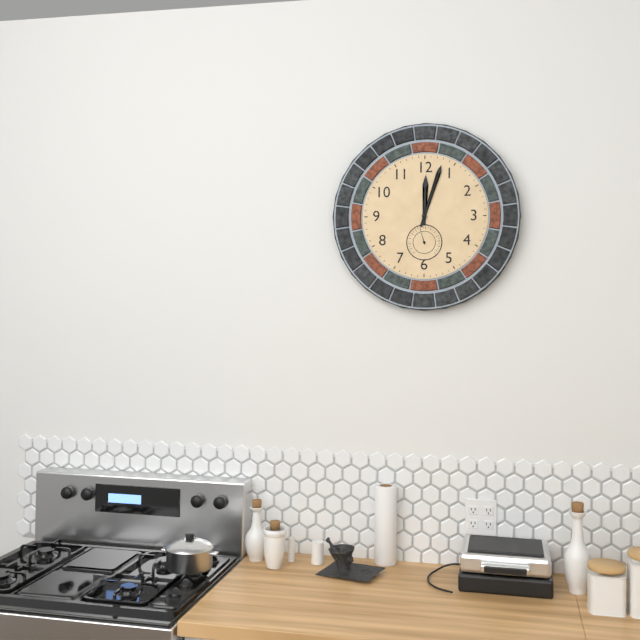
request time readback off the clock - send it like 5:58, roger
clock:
12:03
